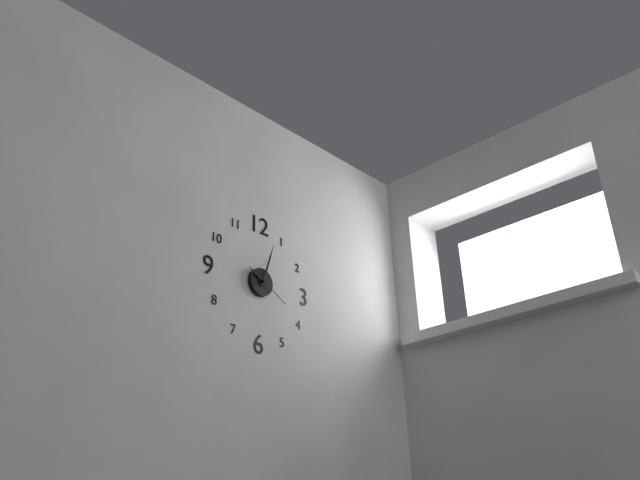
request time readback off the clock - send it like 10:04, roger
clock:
10:03
